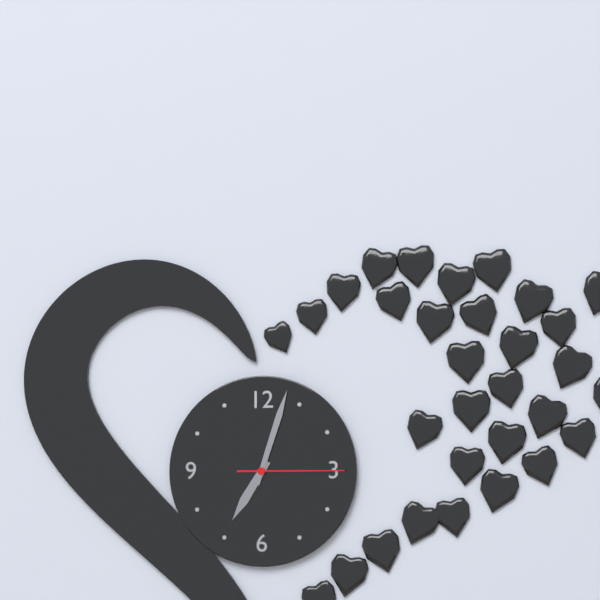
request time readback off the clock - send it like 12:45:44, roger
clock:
7:03:15
